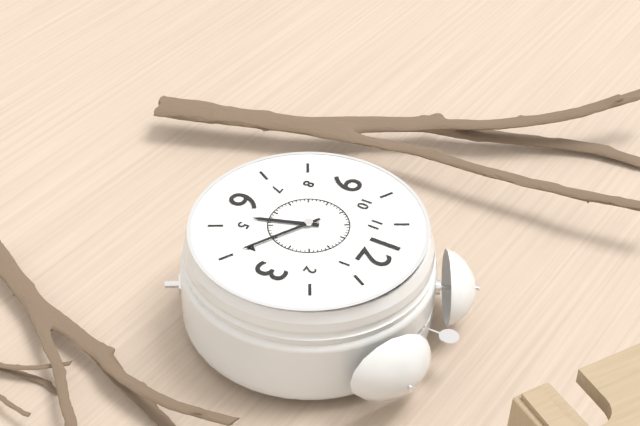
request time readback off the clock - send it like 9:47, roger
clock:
5:20
